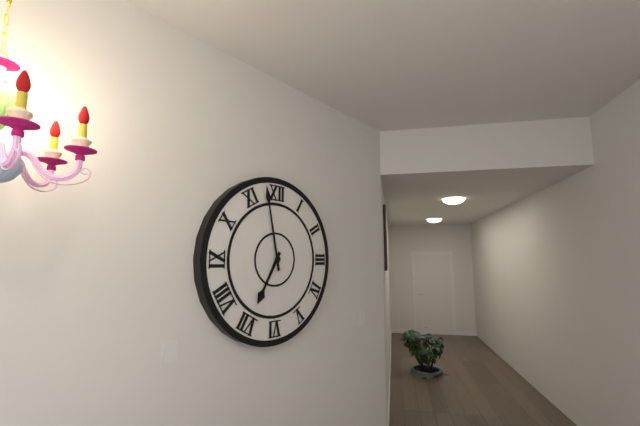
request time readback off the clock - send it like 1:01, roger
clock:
6:58
